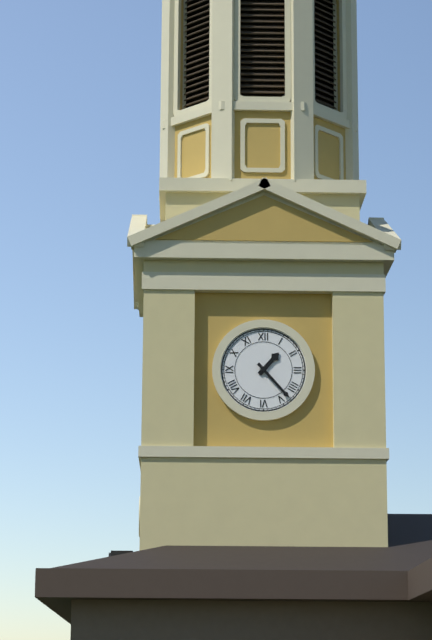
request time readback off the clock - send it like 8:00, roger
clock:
1:23
